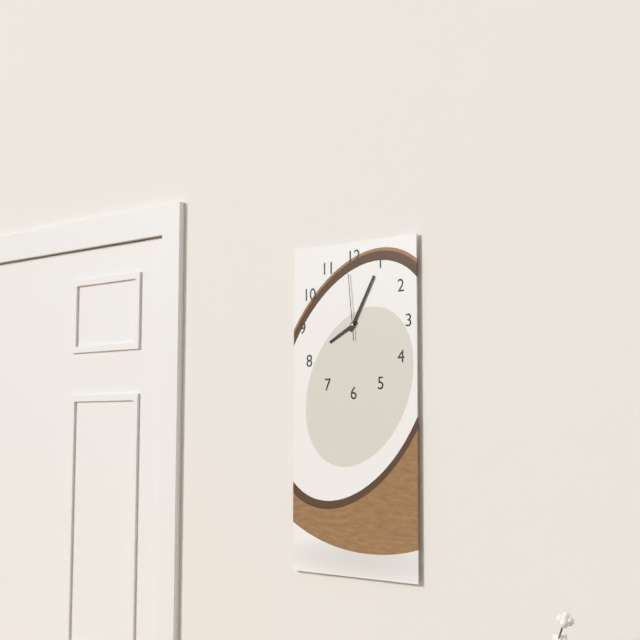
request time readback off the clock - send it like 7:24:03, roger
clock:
8:05:59
